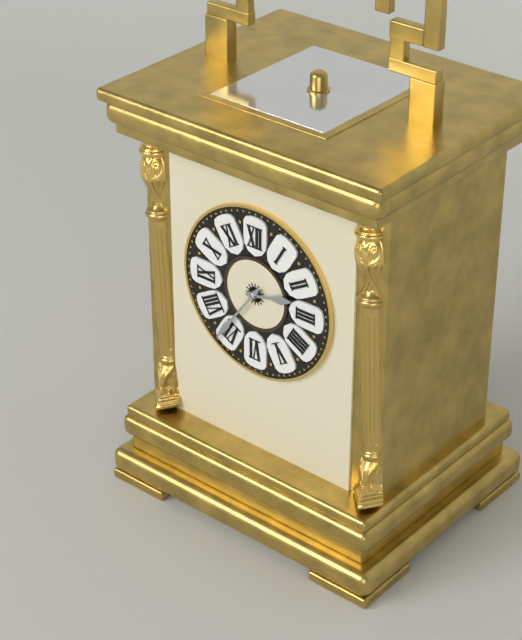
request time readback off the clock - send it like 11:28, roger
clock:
2:36
